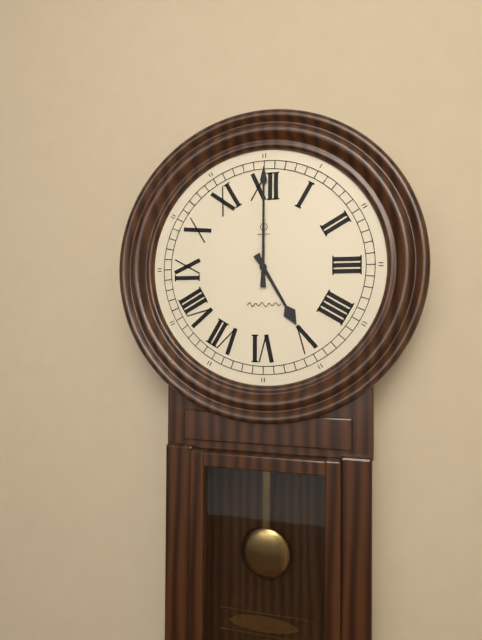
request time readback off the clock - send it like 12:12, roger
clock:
5:00
